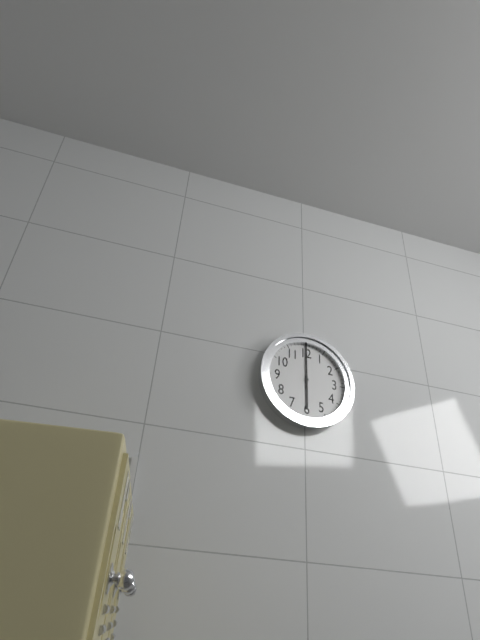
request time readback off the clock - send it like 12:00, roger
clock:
6:00
